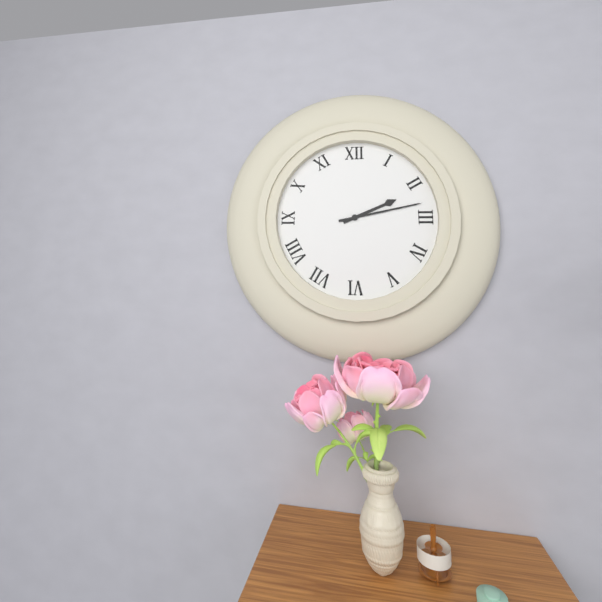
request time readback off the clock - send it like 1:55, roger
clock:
2:13
